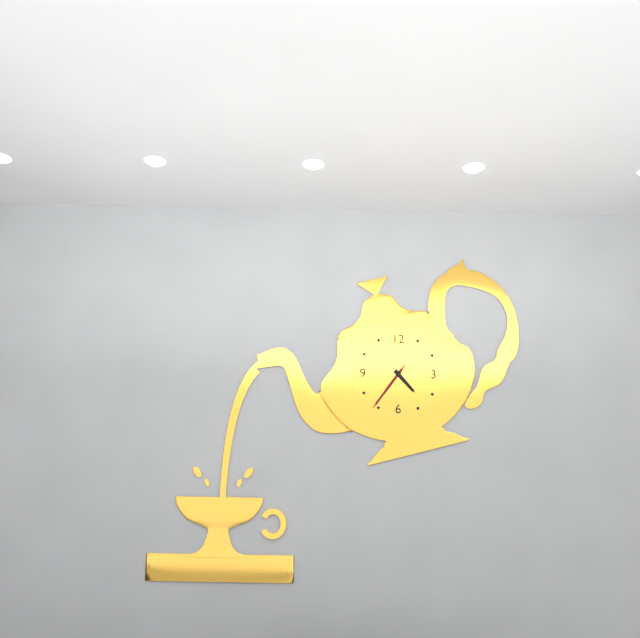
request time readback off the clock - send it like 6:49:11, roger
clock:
4:36:36
